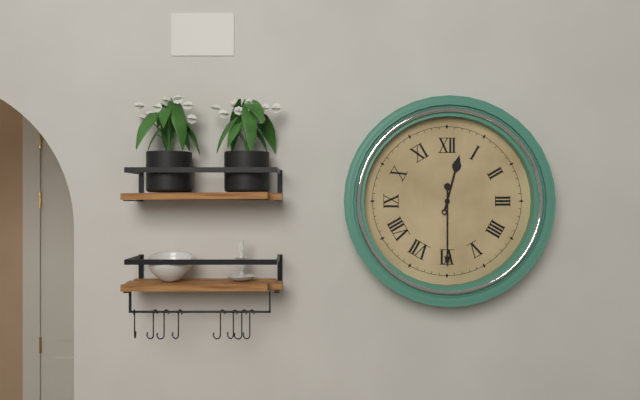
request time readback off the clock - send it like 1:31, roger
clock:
12:30
